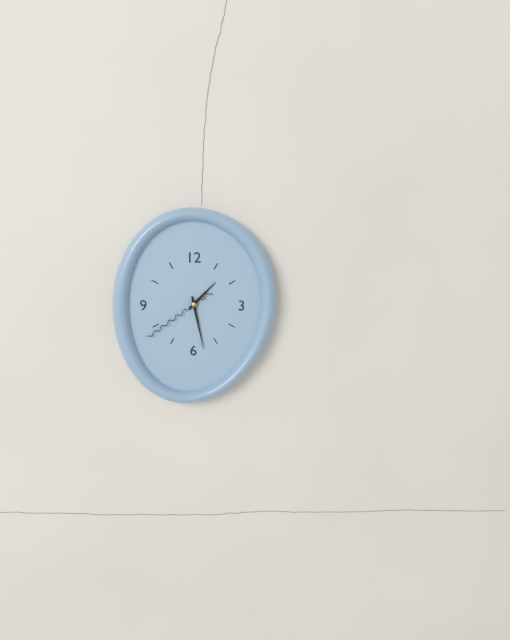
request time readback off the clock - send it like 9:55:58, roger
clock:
1:28:39
